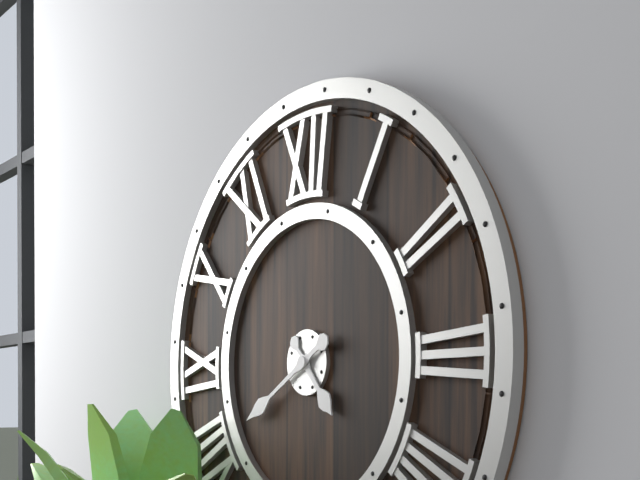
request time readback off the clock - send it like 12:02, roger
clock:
4:40
